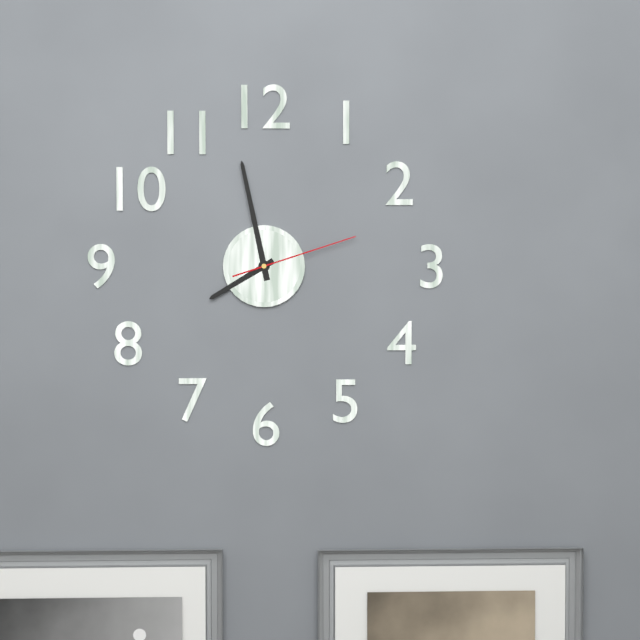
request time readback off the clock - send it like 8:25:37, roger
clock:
7:58:12
